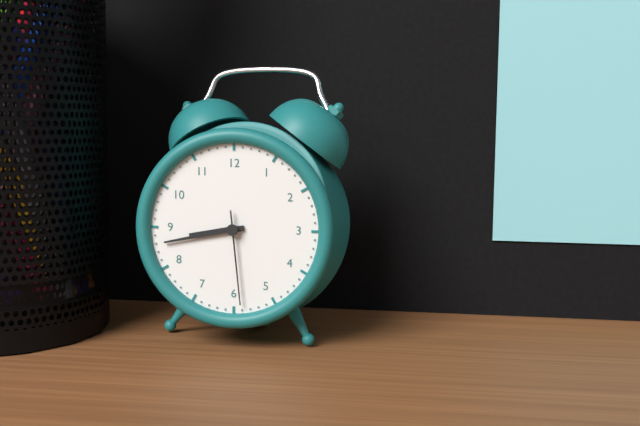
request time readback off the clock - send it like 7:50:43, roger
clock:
8:43:29
